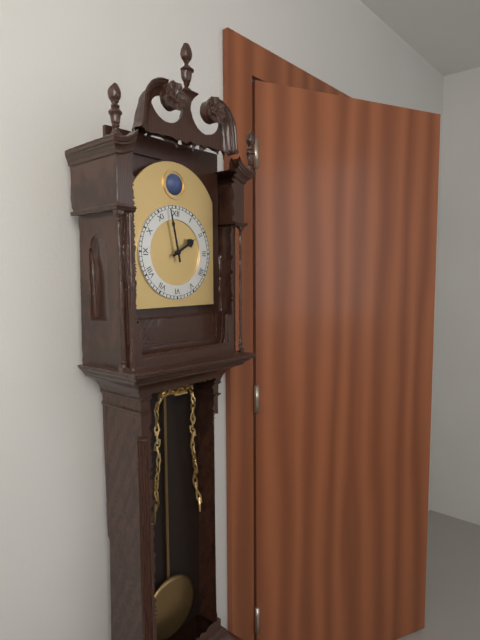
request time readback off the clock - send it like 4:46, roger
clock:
1:58
